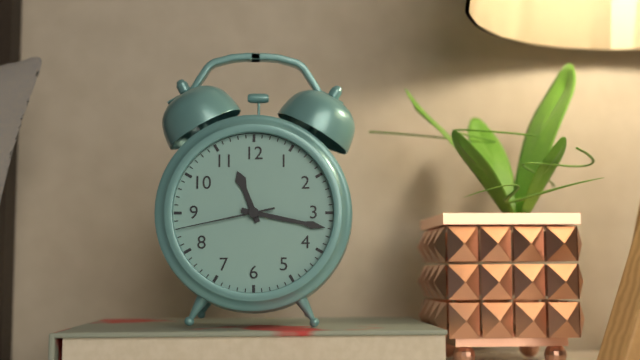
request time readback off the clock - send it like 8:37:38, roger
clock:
11:17:43
